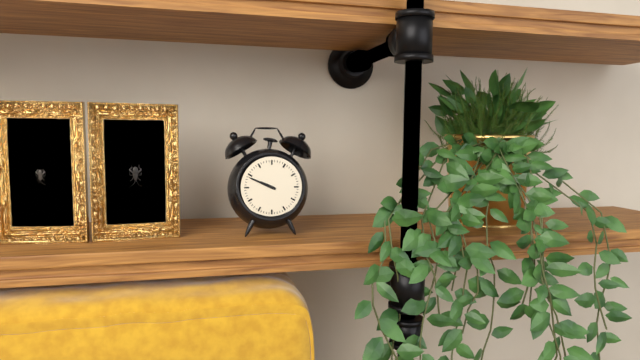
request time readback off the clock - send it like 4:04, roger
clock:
9:49
